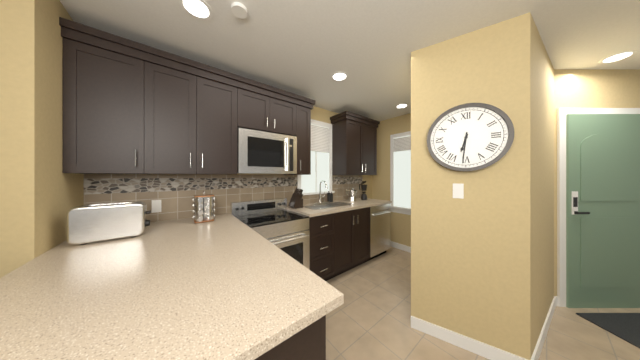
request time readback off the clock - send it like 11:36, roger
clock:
6:31
